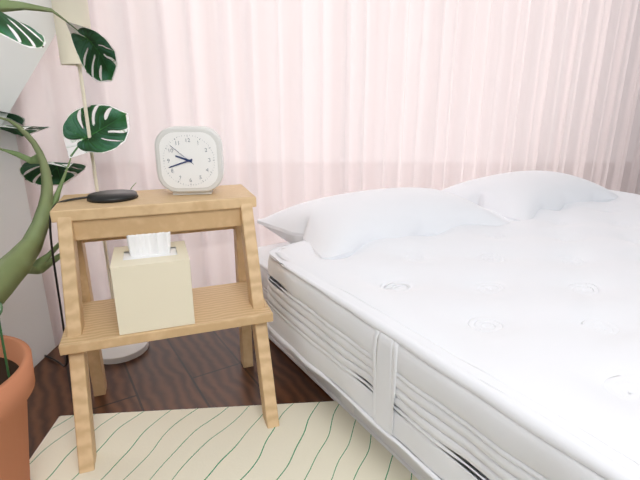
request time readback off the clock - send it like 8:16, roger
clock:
9:42
